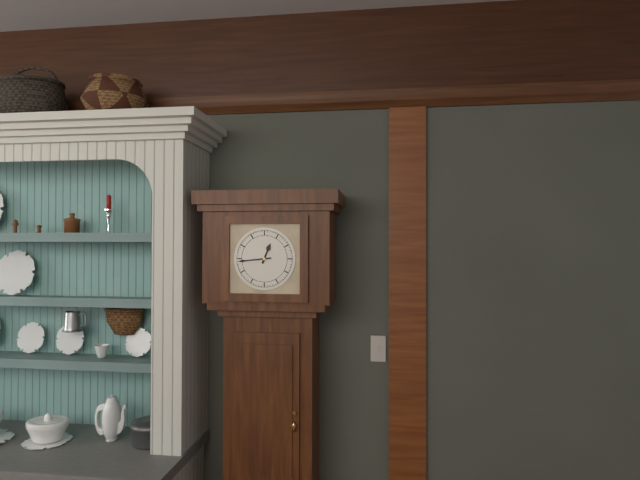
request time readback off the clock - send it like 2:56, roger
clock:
12:44
